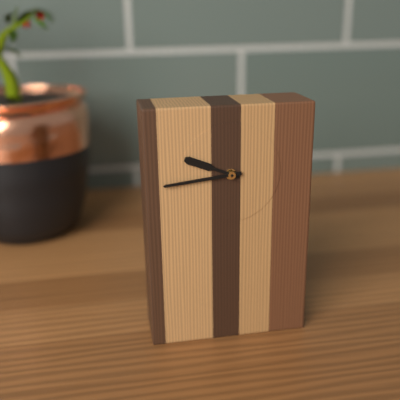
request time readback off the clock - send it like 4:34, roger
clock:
9:44
